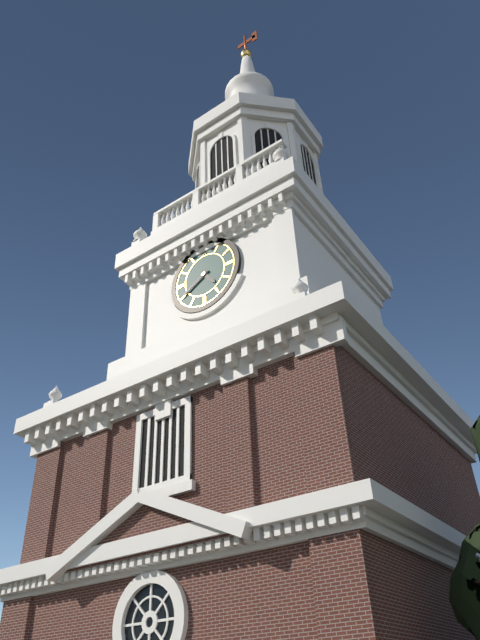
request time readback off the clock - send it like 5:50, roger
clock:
4:40
